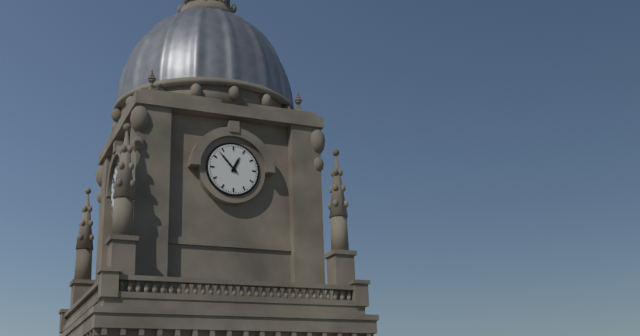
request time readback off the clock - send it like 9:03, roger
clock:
12:53
